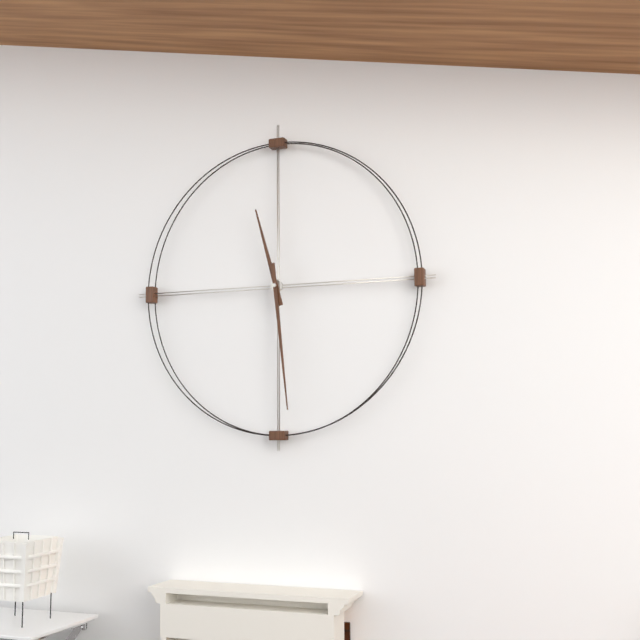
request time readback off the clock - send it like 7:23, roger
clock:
11:29
